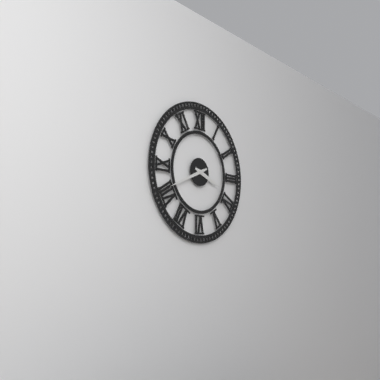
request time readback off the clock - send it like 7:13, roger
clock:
3:41
